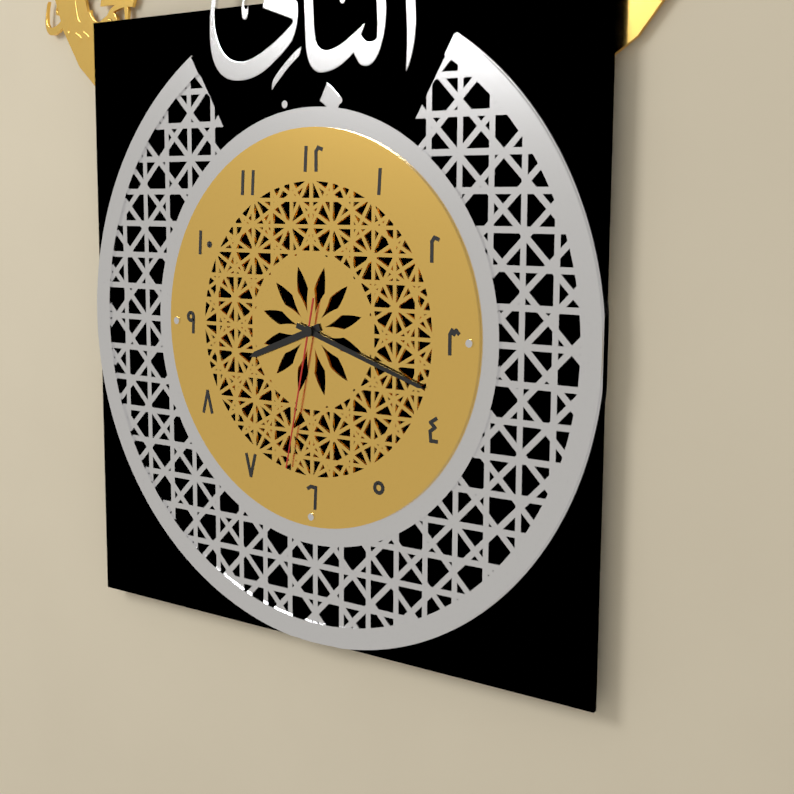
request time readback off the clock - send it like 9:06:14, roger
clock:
8:18:32
